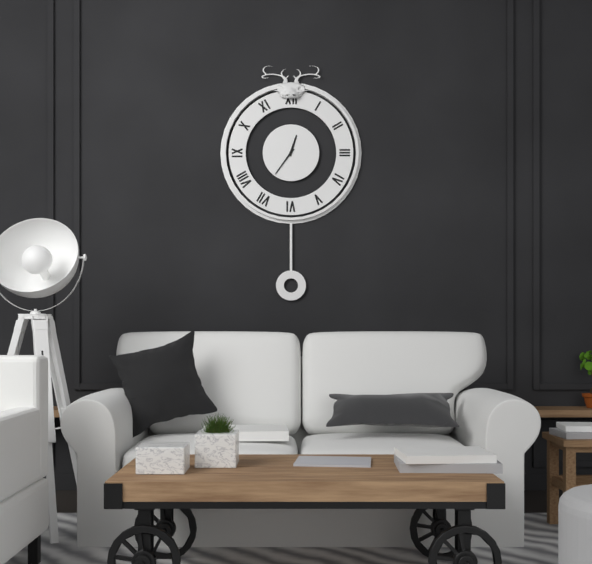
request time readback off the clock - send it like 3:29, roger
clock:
12:36
